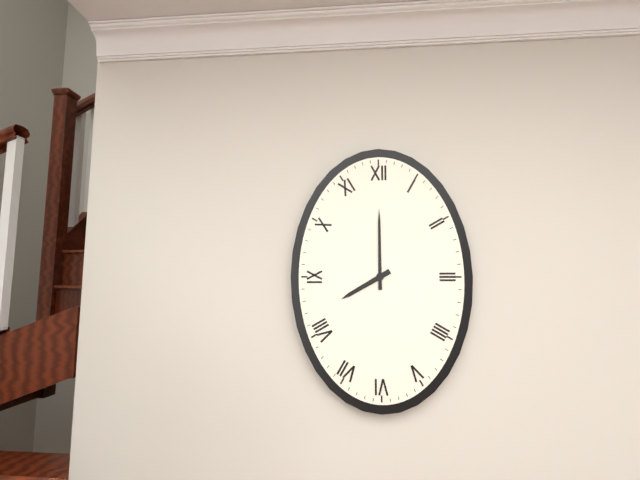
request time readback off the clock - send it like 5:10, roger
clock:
8:00
